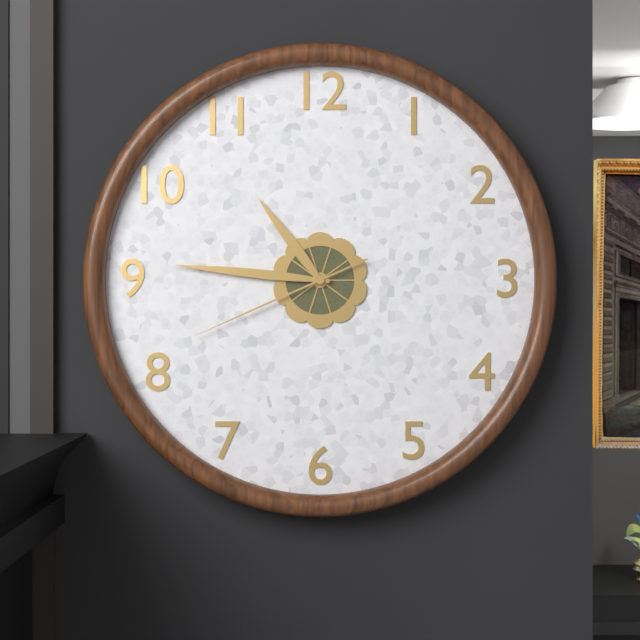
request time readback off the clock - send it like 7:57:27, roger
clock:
10:46:41
